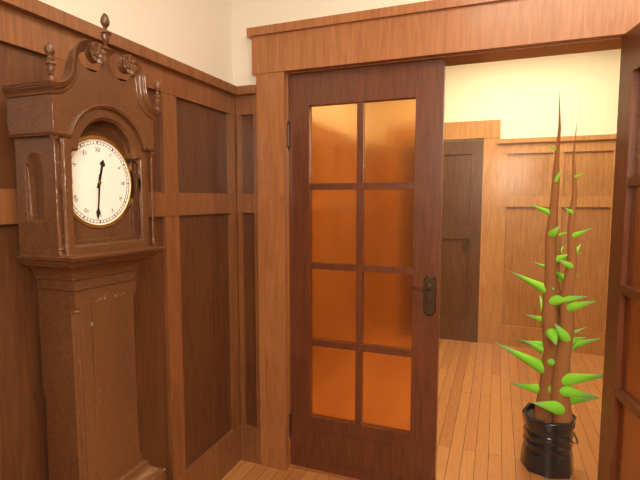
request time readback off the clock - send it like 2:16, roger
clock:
12:31
